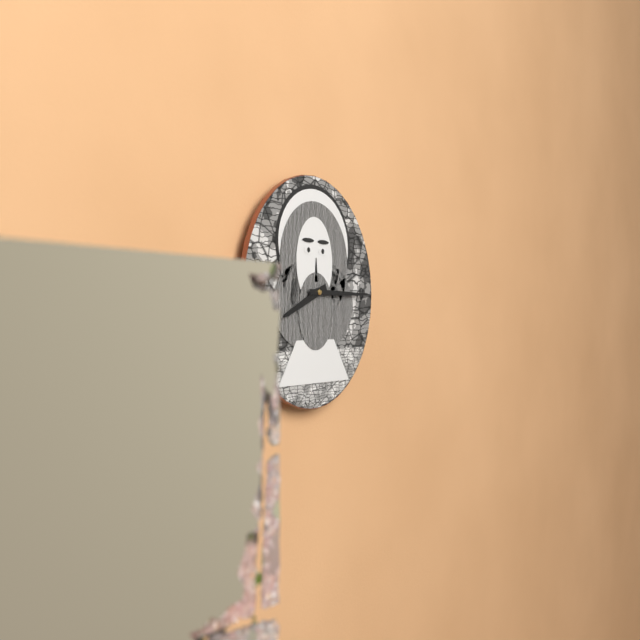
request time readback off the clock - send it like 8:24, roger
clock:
8:15
